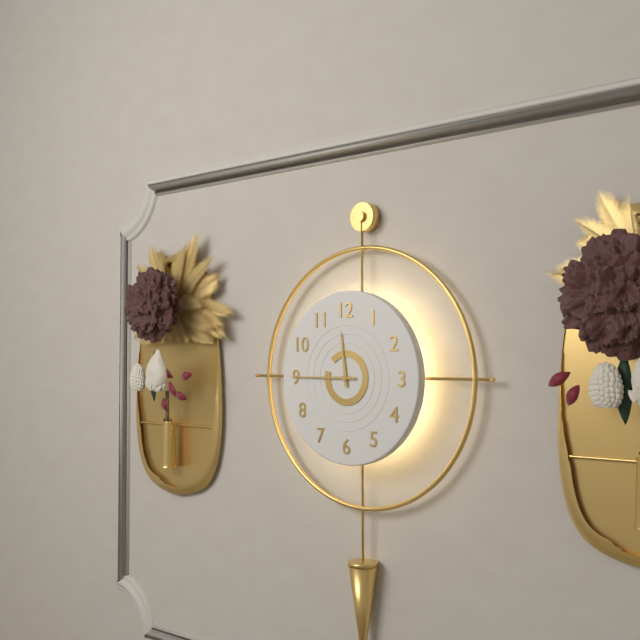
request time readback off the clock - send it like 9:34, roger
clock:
11:45
